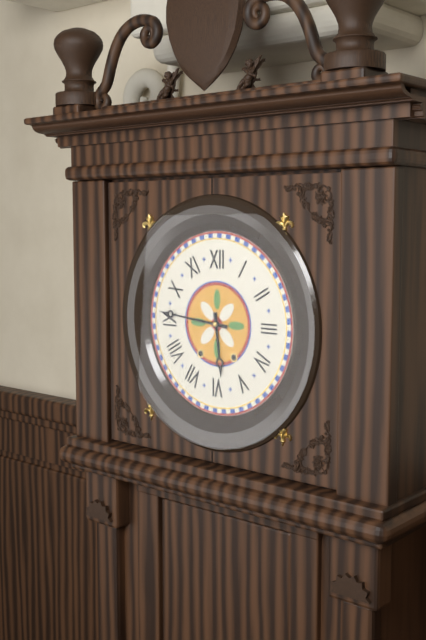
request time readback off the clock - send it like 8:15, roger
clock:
5:46
